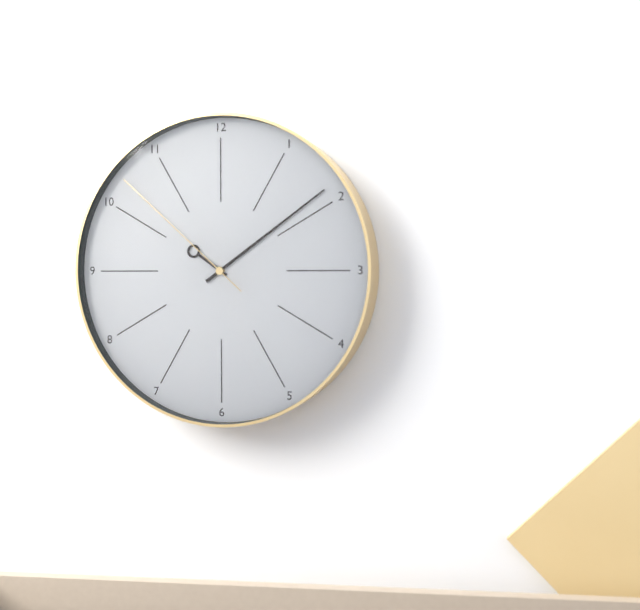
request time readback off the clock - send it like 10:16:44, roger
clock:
10:09:52
